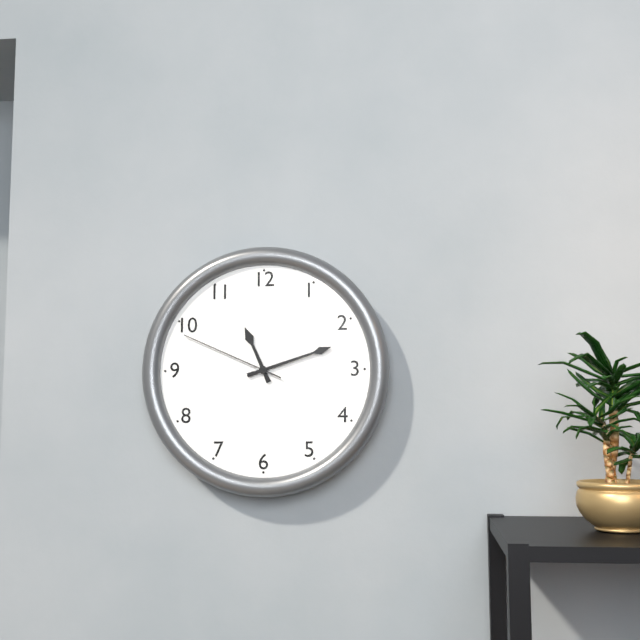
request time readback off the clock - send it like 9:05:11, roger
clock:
11:12:49
